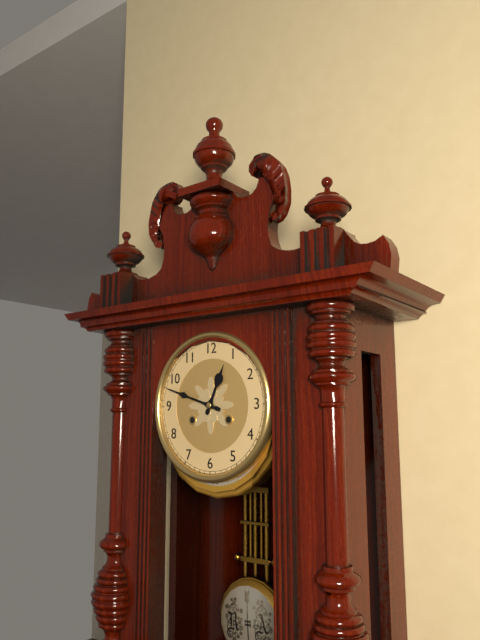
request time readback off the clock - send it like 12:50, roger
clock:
12:48
